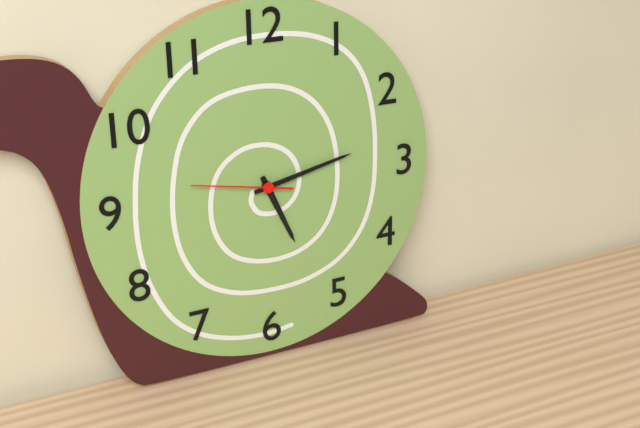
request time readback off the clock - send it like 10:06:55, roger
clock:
5:13:47
